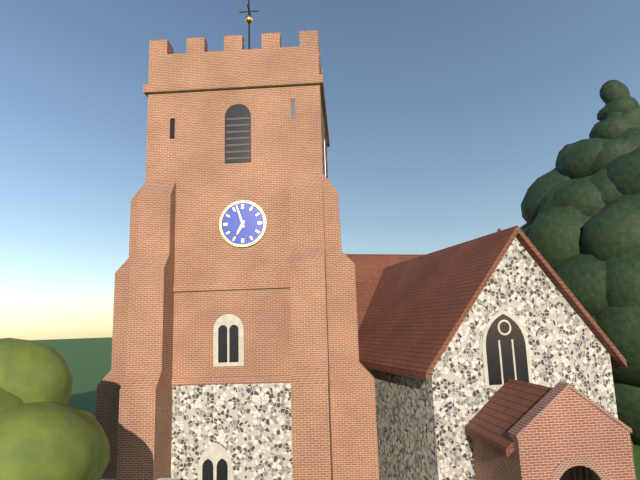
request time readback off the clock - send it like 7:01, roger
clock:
6:57
